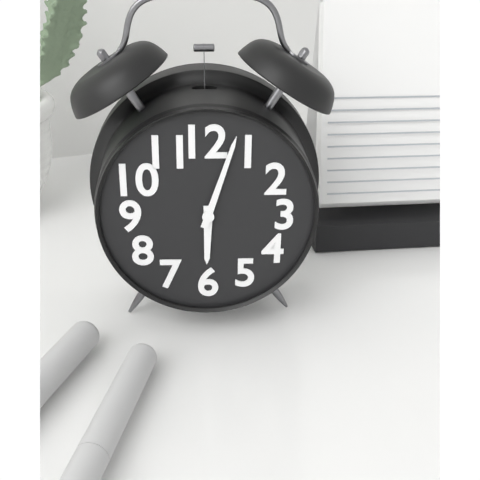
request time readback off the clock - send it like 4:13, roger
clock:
6:03
